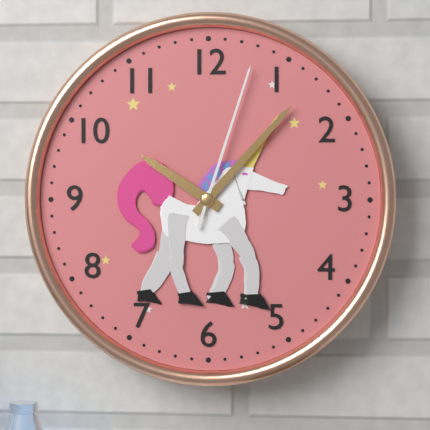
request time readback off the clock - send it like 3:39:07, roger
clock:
10:07:03
